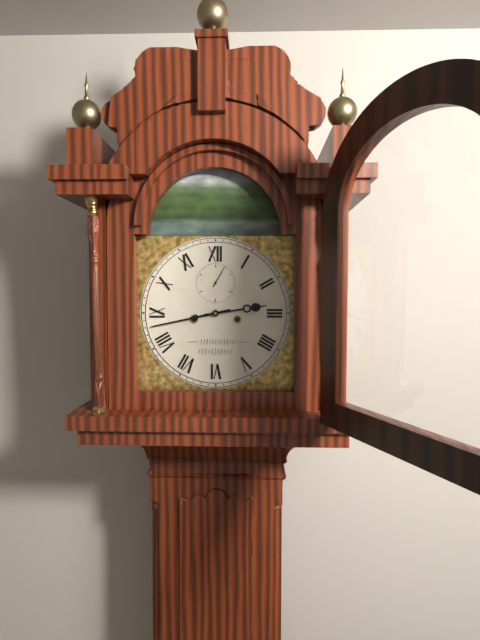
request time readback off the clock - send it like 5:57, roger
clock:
2:43
